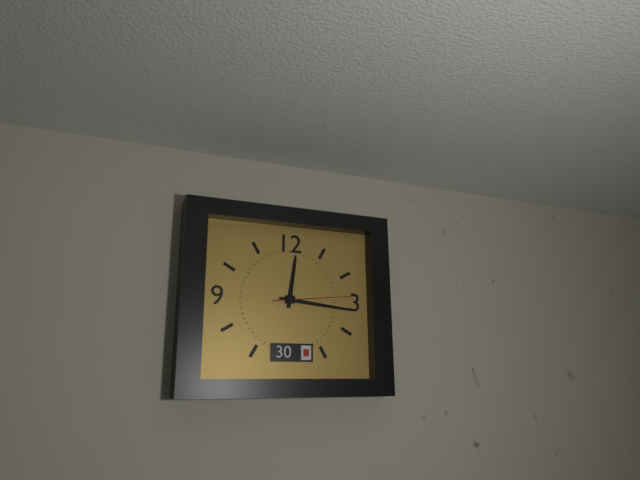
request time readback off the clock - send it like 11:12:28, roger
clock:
12:16:14
